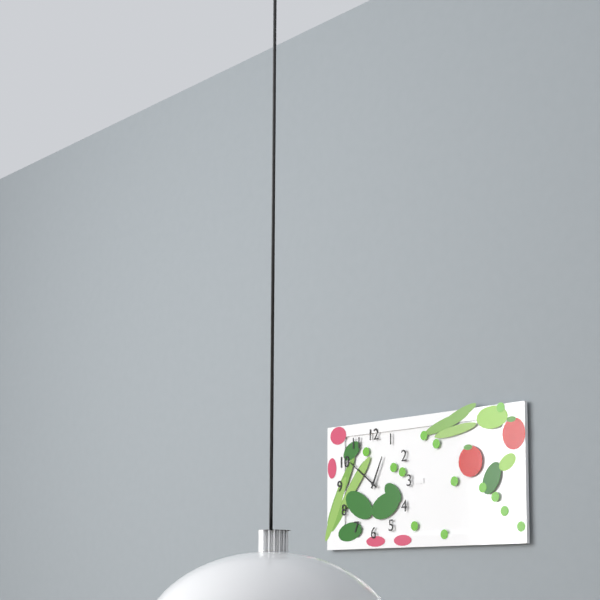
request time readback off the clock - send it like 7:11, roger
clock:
12:51
